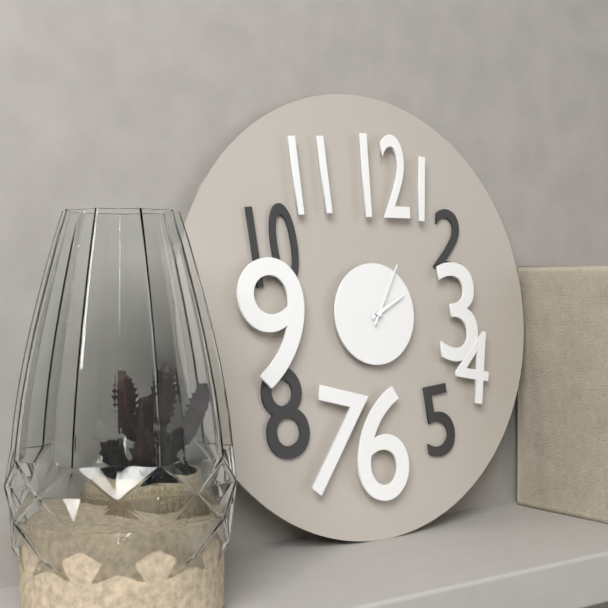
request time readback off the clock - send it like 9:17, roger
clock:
2:05
